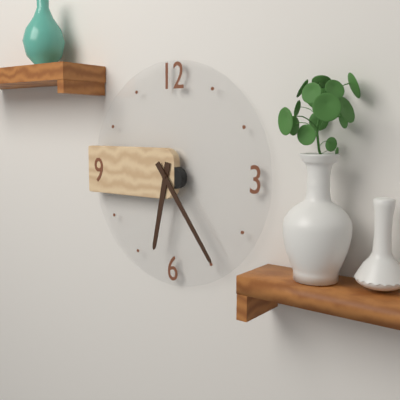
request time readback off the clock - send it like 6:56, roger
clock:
6:24
